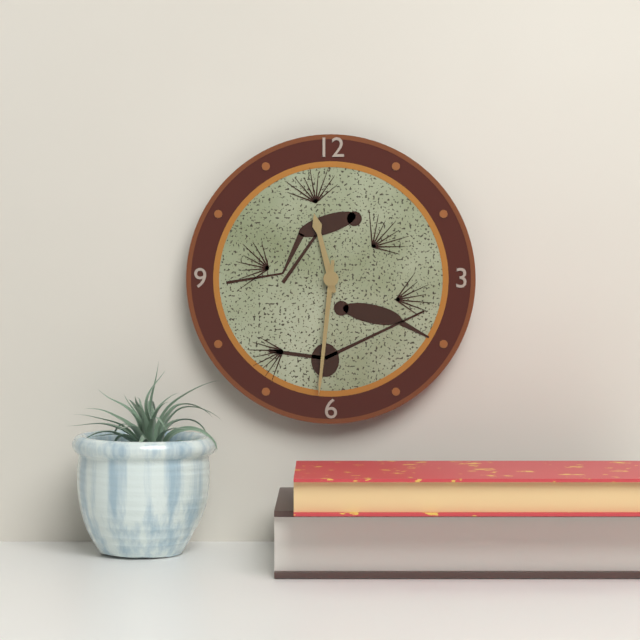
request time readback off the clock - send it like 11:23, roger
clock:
11:31
